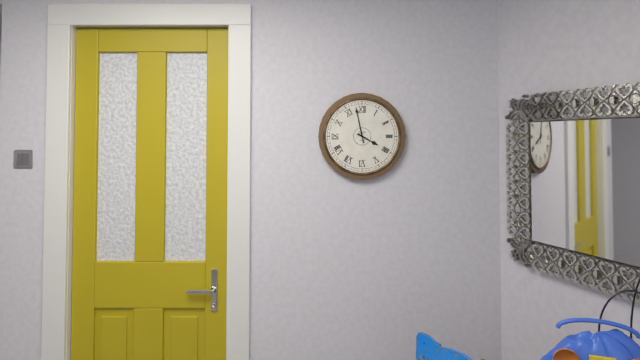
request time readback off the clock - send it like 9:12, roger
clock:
3:58
